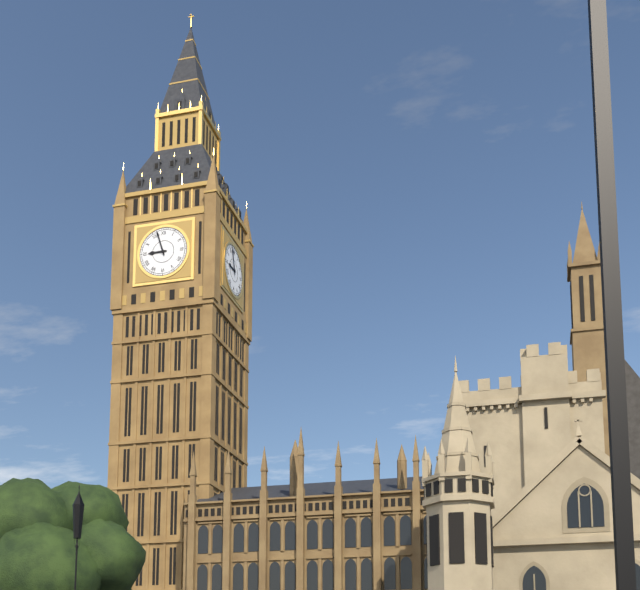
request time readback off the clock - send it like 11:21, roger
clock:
8:57
